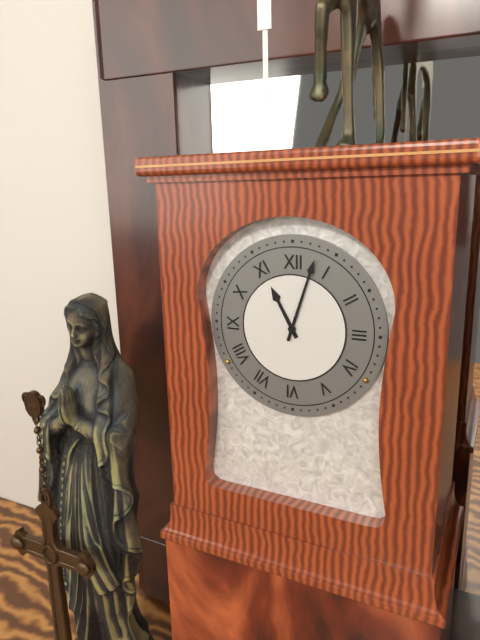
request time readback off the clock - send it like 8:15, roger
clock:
11:03
